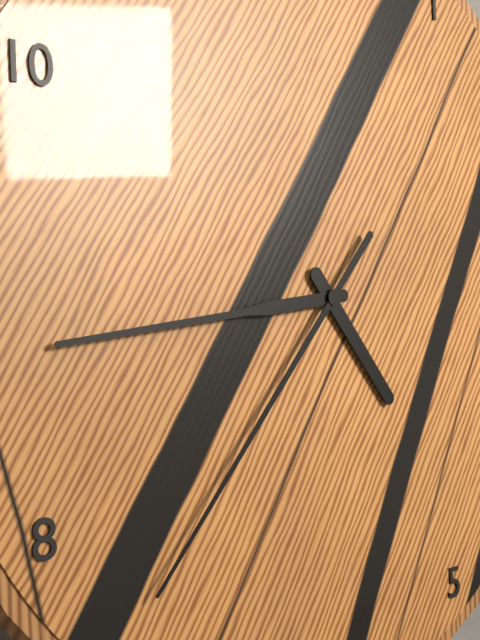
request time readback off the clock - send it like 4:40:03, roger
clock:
4:44:37
